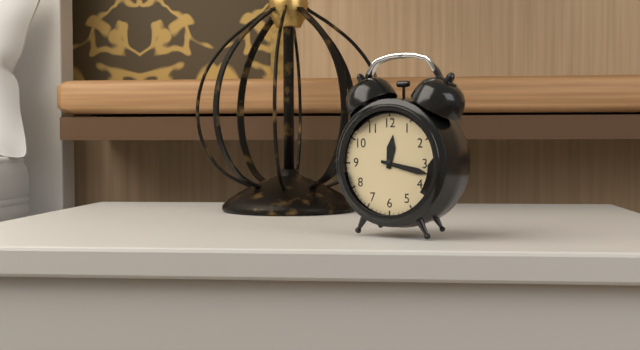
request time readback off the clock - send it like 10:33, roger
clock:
12:17
